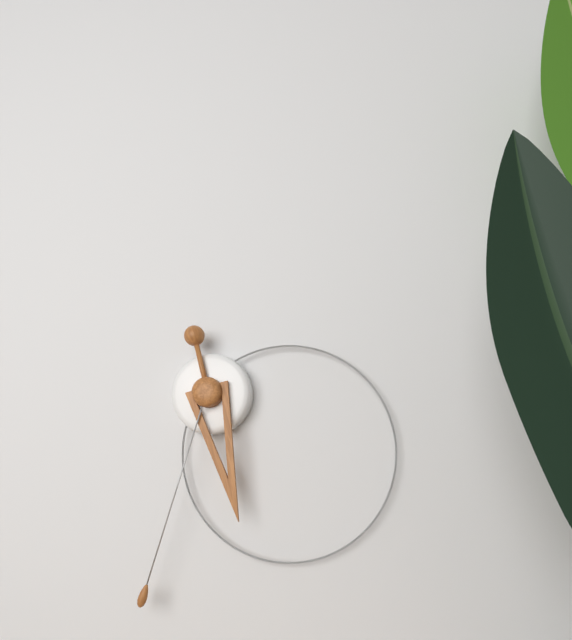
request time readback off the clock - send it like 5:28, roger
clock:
5:33
